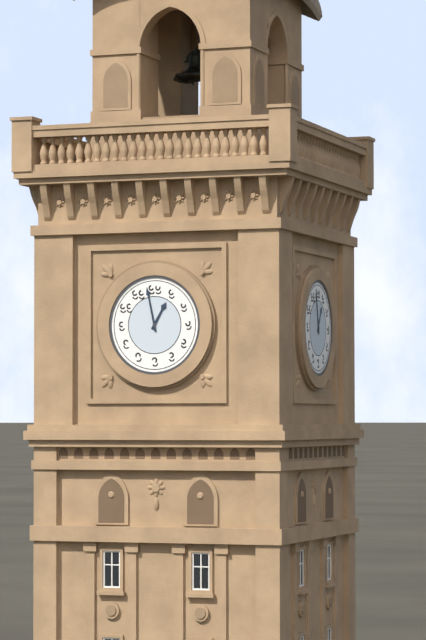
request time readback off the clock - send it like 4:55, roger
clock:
12:58
